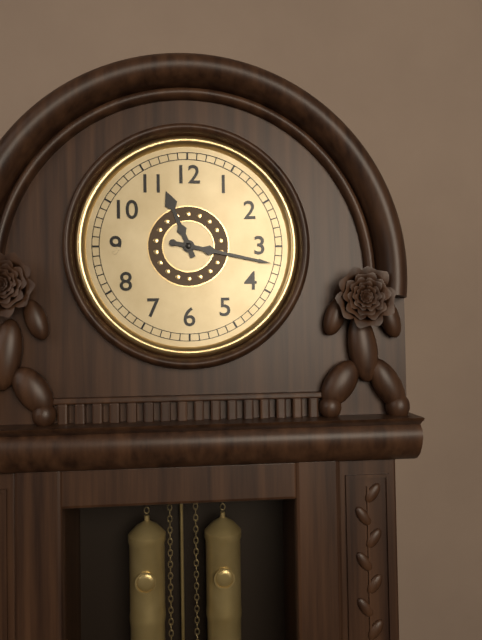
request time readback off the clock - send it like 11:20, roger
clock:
11:17
